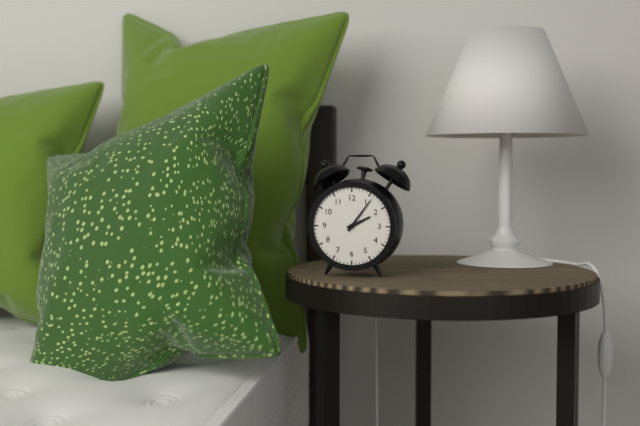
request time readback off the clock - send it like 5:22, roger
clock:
2:06
